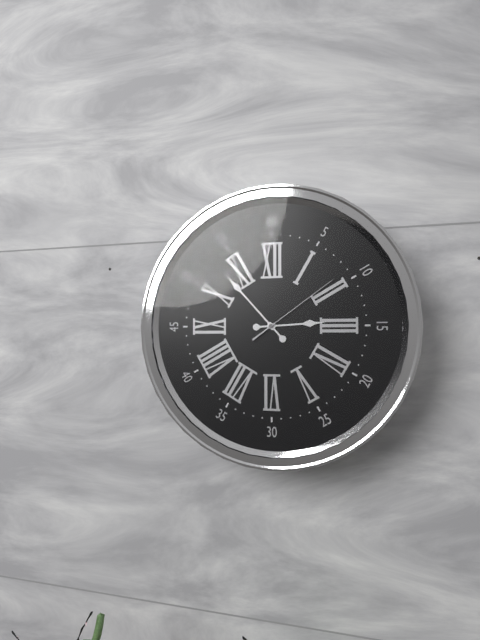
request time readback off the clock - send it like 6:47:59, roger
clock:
2:53:09
